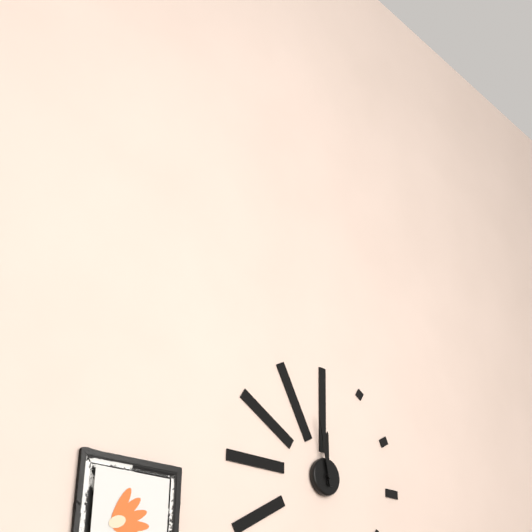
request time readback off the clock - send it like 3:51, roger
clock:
11:58
